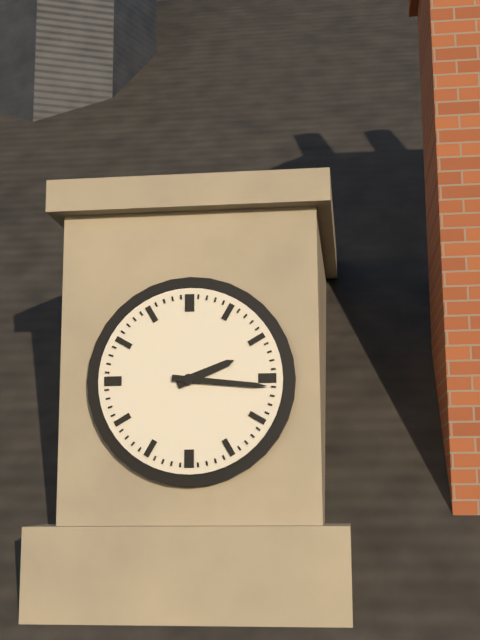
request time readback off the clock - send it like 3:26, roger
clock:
2:16
